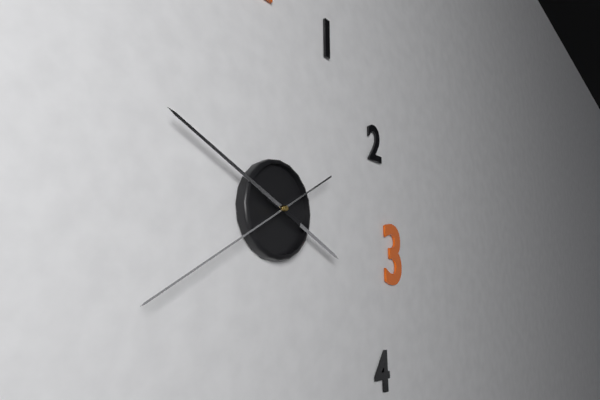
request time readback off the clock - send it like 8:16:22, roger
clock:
3:49:40
